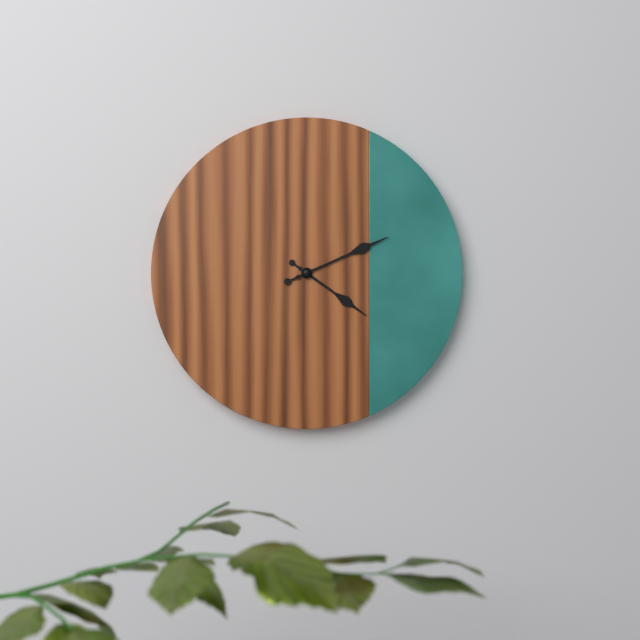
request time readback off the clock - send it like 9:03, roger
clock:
4:11
